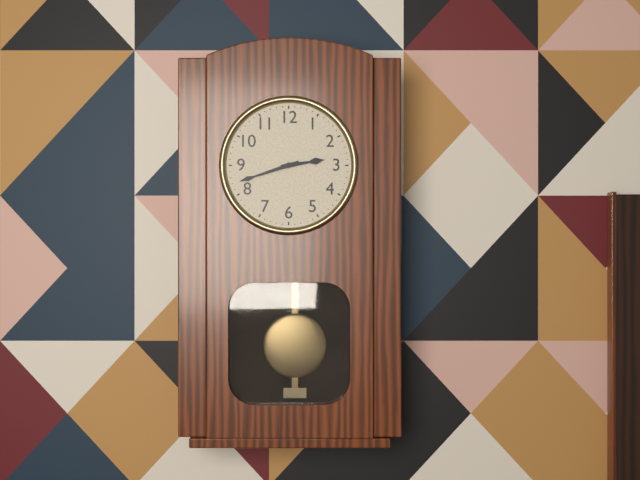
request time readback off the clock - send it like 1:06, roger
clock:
2:42
